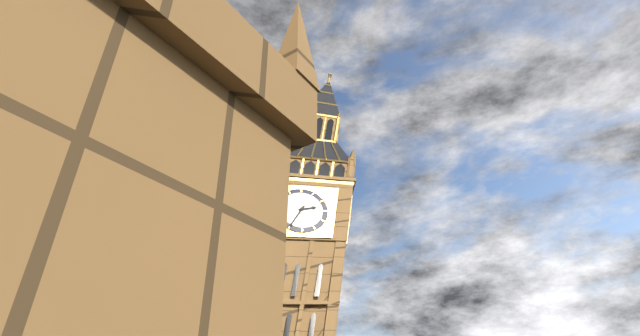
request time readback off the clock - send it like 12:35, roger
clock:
2:35
